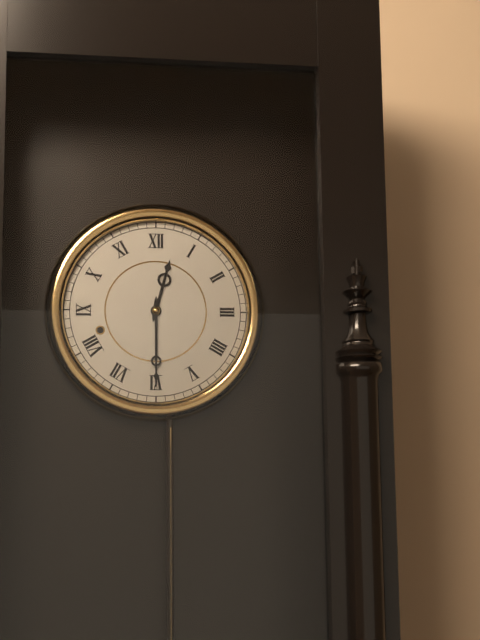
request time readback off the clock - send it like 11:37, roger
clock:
12:30
